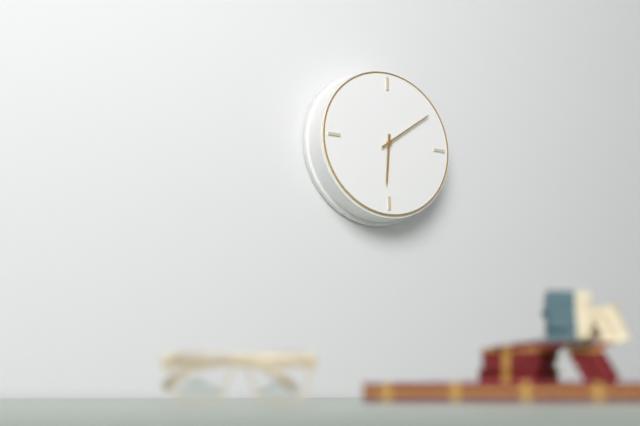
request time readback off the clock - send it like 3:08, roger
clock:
6:09
